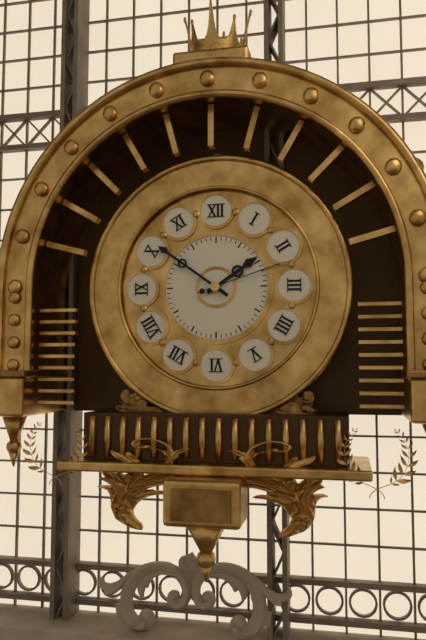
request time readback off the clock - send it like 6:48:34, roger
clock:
1:51:12
